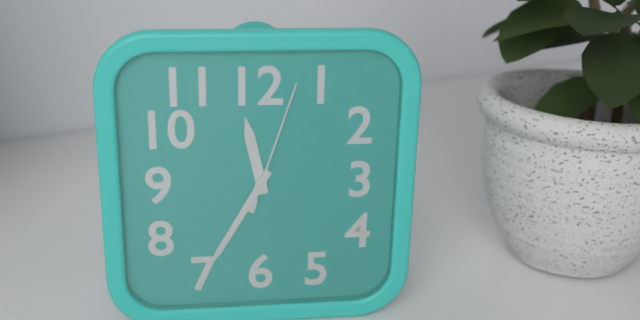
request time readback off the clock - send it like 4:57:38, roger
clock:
11:35:03
